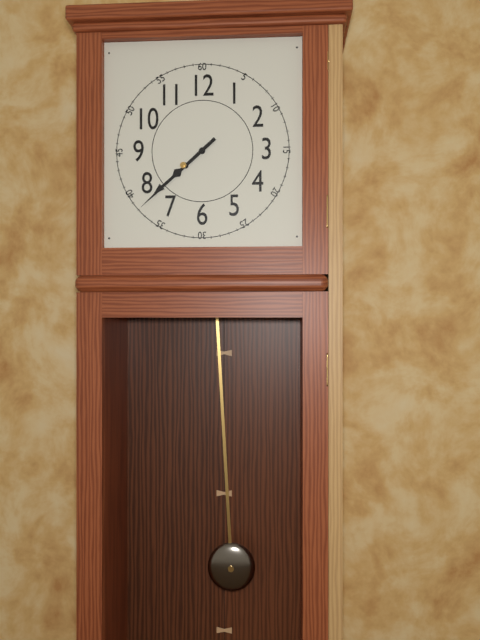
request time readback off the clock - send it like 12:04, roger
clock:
7:38
